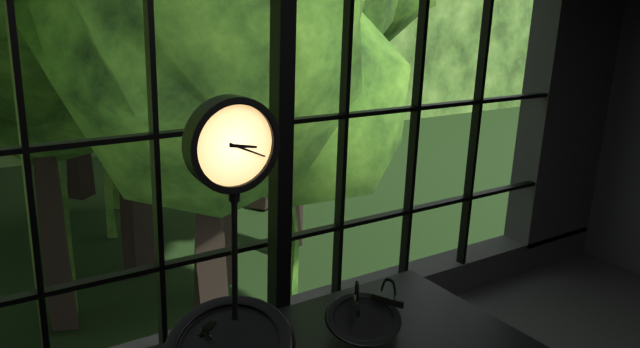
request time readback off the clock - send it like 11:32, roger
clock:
3:19
